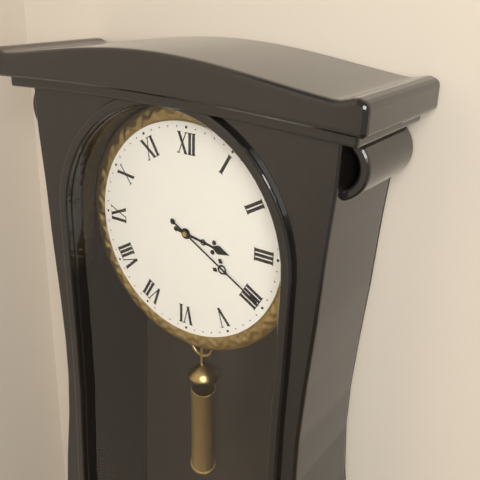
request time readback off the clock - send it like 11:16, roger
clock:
3:20
